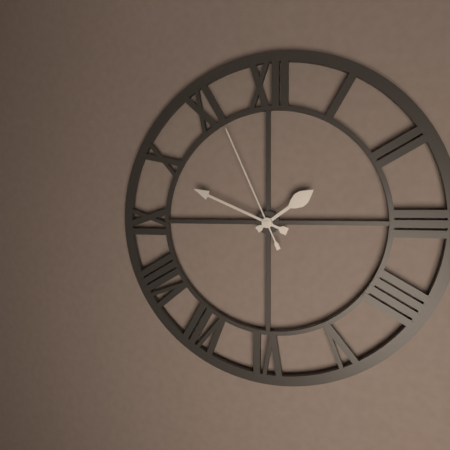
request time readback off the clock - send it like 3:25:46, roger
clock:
1:49:56
